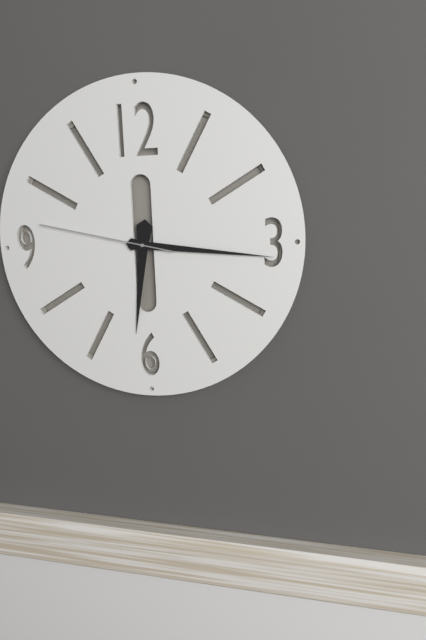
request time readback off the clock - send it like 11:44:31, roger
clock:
6:16:47
